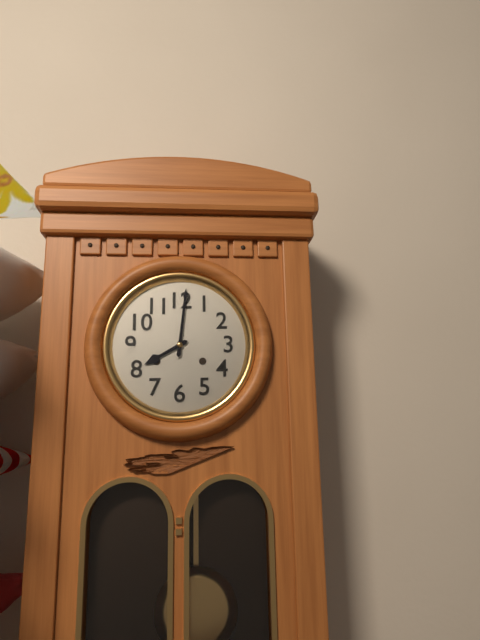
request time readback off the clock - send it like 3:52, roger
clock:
8:01
